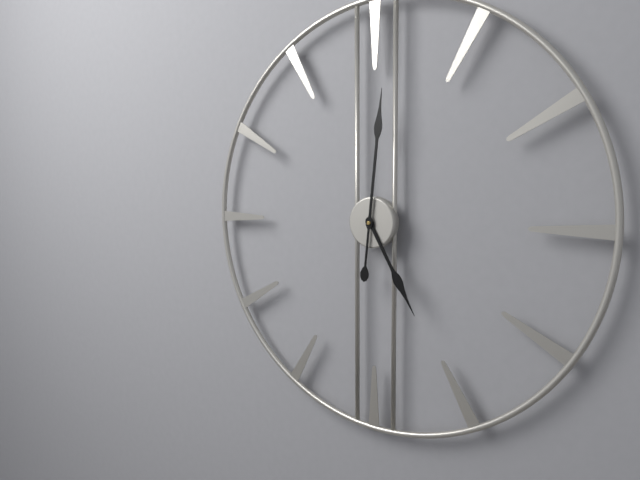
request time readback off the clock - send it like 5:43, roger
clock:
5:01
